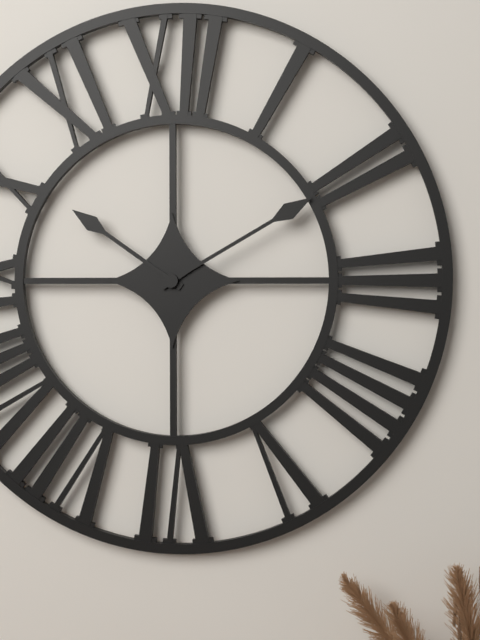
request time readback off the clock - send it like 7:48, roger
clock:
10:10
